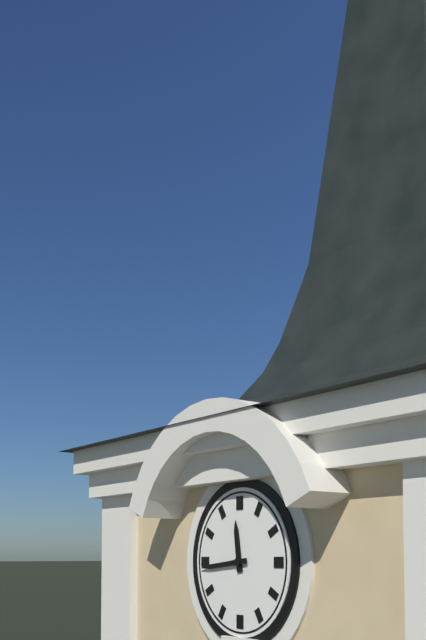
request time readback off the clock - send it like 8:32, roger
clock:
11:44
